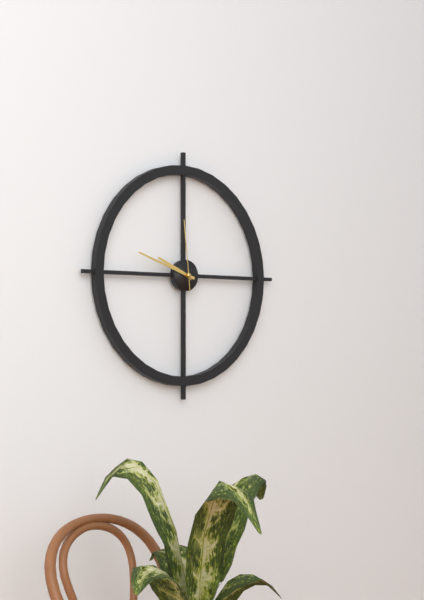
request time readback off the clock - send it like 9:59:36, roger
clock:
9:48:59
